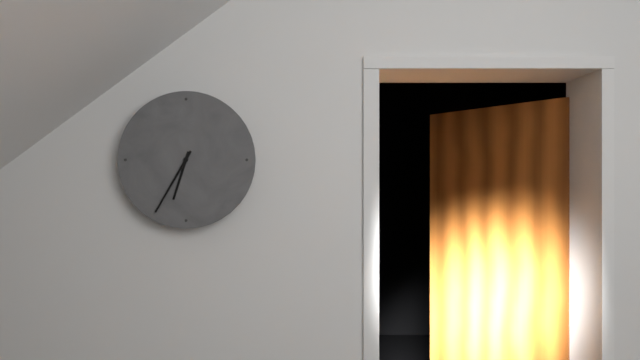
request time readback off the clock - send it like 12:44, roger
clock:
6:35
